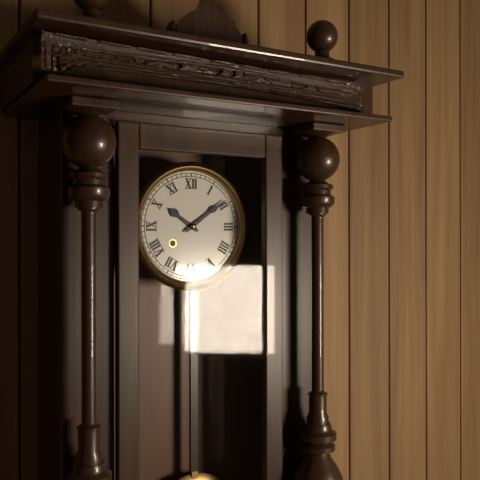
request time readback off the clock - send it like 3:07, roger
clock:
10:09
